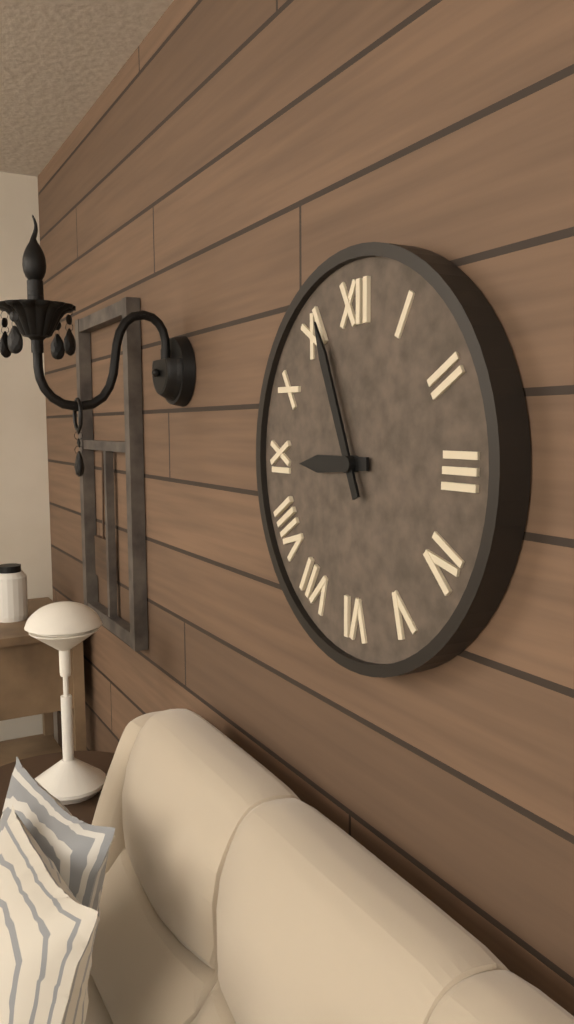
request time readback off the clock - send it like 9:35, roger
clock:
8:56
